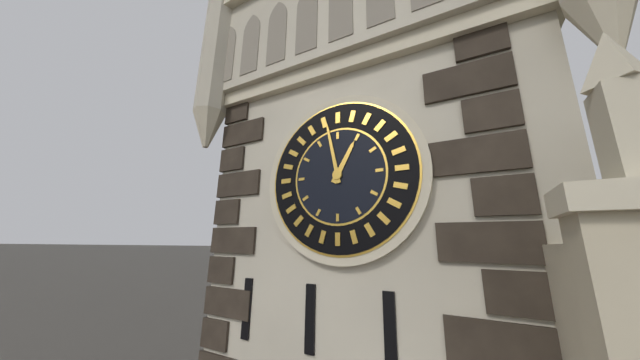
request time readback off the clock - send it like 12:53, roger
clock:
12:58
